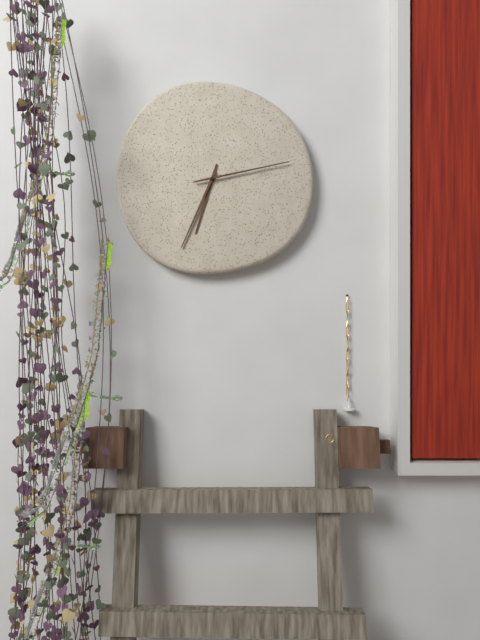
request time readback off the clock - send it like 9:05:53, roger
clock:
6:34:13
